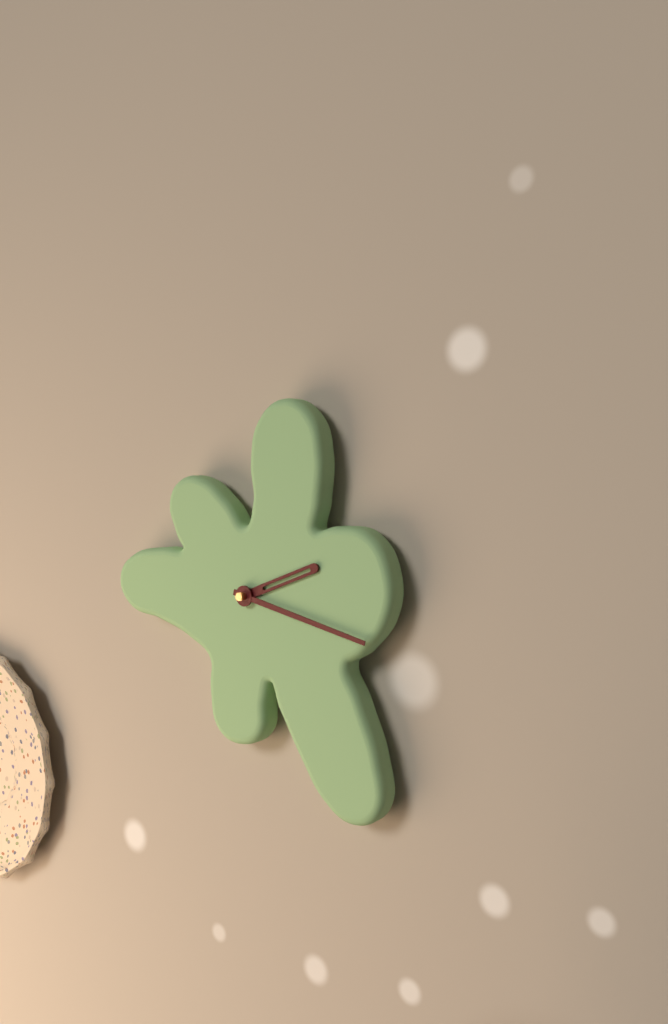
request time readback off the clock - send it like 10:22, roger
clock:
2:17
